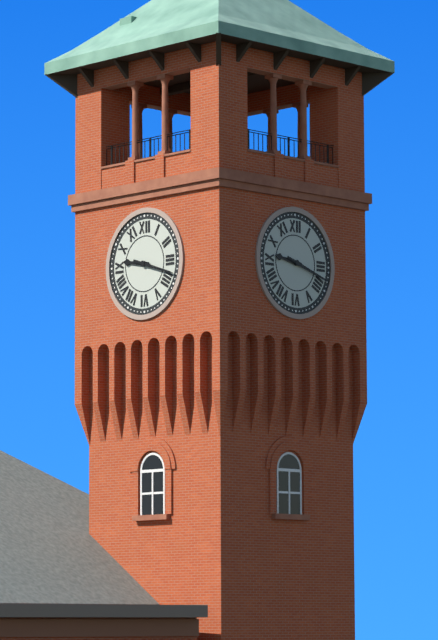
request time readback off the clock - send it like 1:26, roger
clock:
9:18
